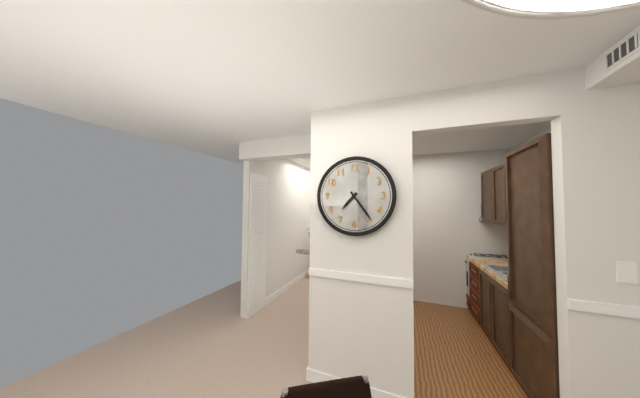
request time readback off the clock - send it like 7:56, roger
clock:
7:24
